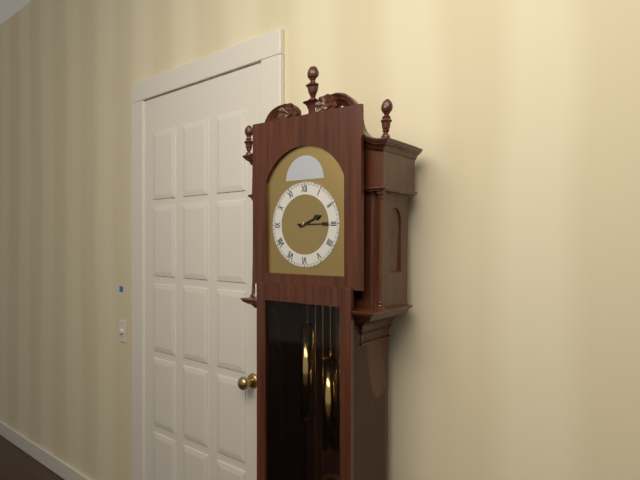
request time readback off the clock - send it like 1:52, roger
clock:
2:15
